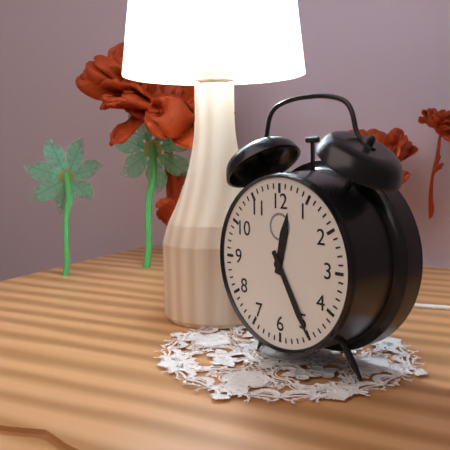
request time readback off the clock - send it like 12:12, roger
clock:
12:25
